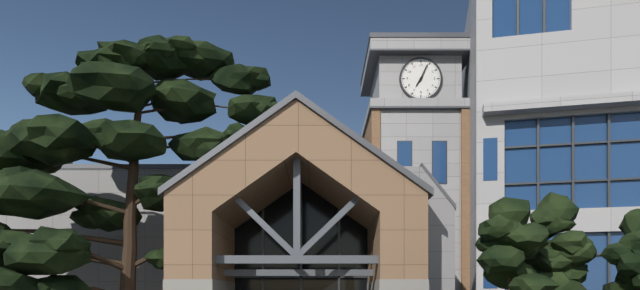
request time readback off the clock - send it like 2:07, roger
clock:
7:04
